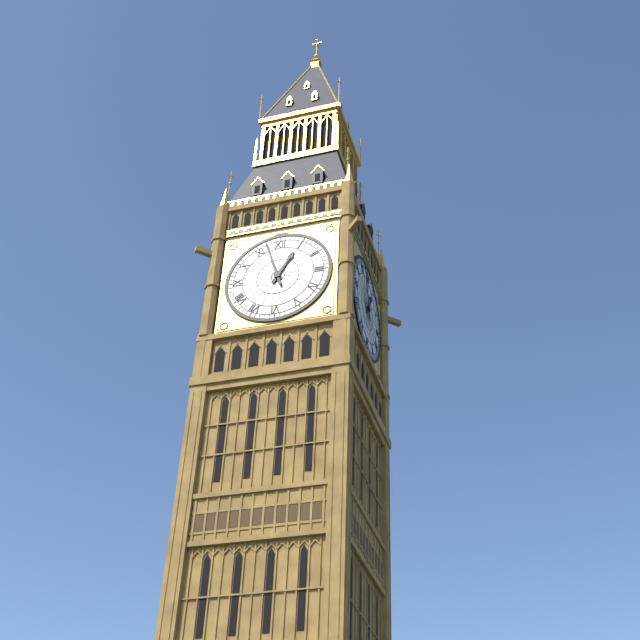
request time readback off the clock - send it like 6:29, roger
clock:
12:57
